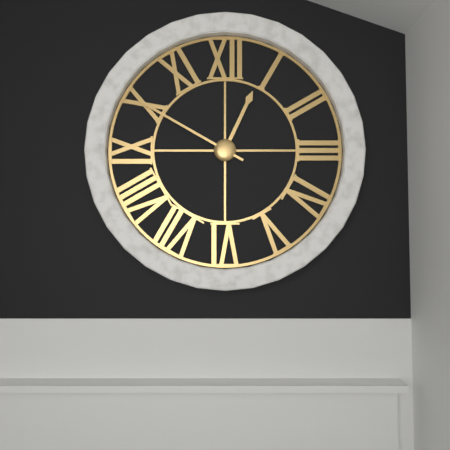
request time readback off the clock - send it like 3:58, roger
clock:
12:50
